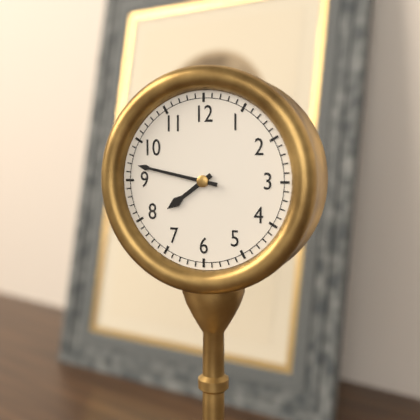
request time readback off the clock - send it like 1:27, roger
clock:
7:47
